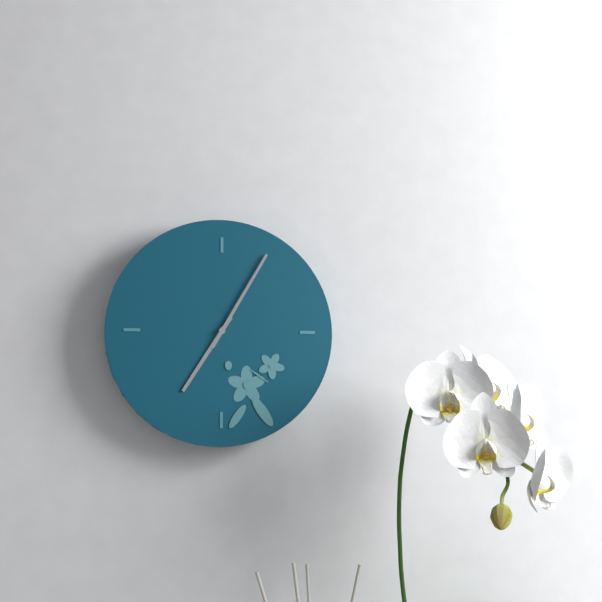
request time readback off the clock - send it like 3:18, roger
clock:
7:05
